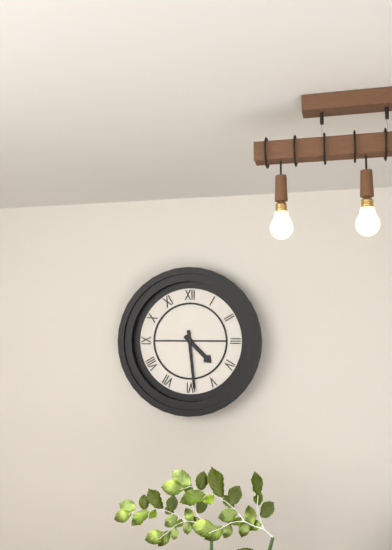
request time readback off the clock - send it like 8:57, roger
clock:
4:29
